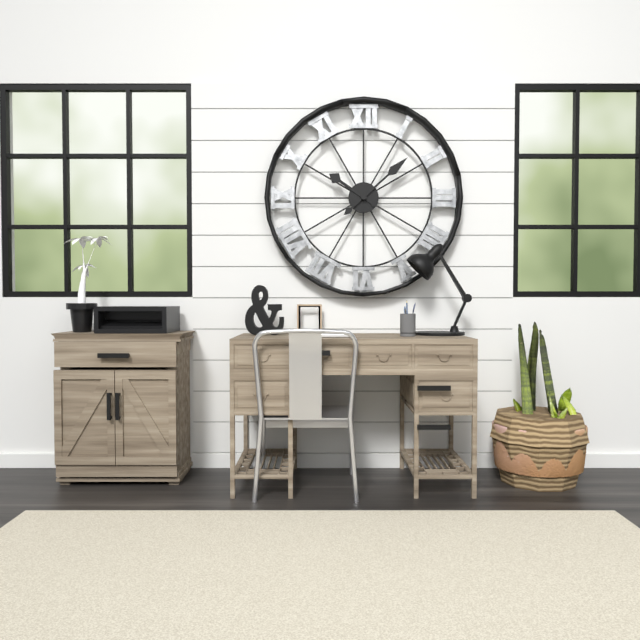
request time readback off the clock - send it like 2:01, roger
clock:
10:08
